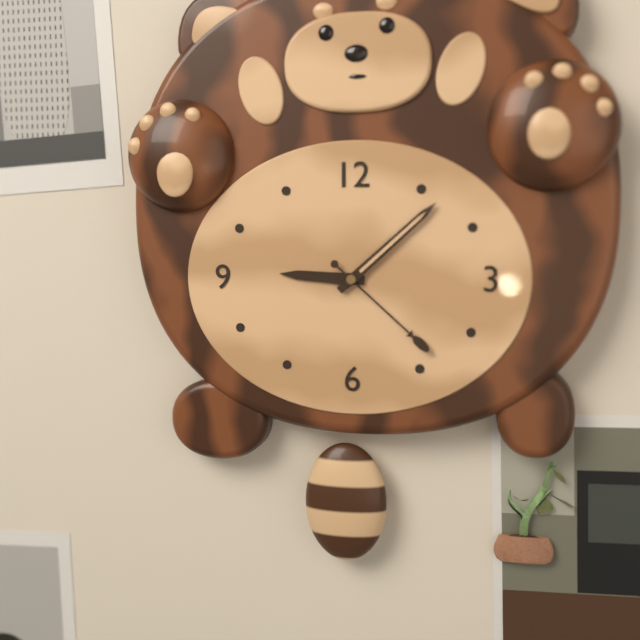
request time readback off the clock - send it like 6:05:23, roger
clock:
9:08:22
